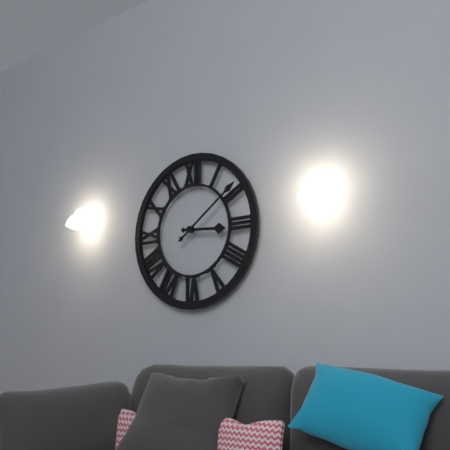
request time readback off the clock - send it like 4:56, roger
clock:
3:09
